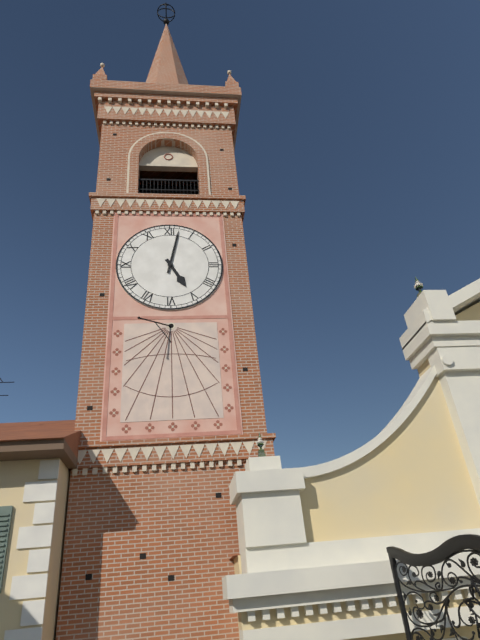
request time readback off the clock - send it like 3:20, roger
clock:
5:02
